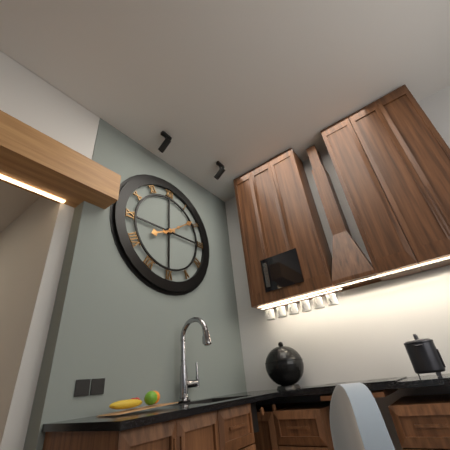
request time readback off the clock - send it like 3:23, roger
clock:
8:09
